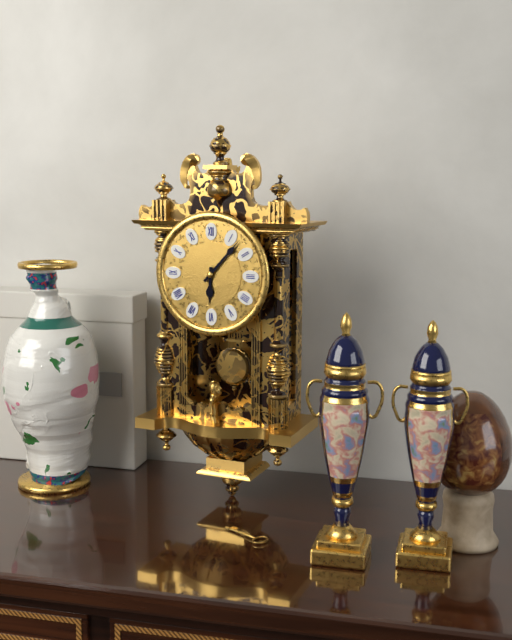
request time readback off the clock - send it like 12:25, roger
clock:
6:07
